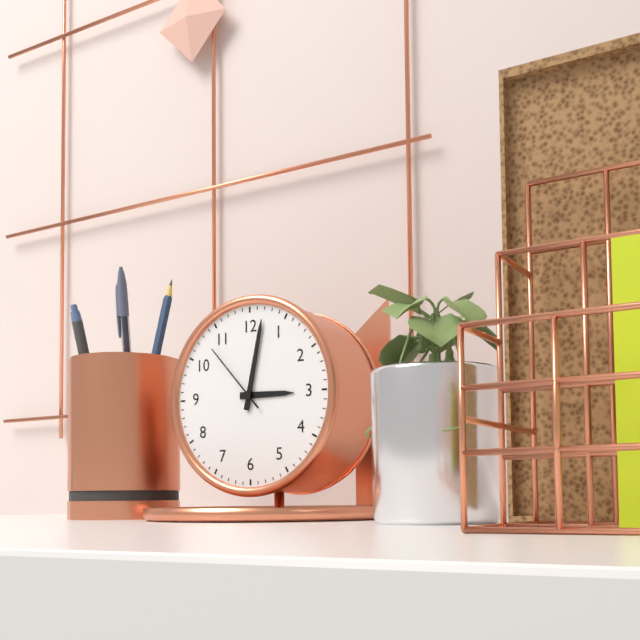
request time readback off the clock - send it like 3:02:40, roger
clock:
3:02:53
